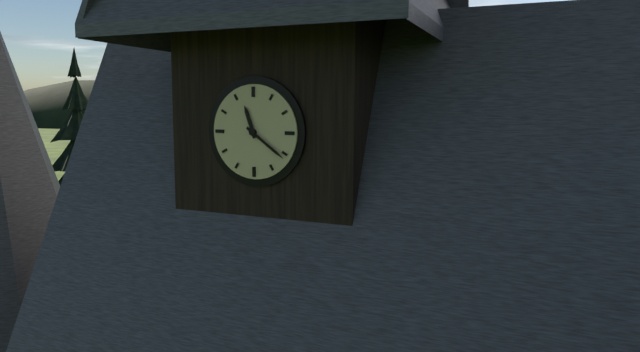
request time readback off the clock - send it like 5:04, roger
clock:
11:21
